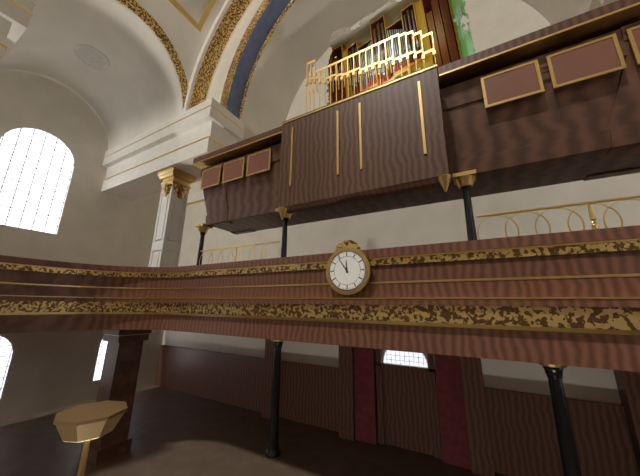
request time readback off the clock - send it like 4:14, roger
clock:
11:54
